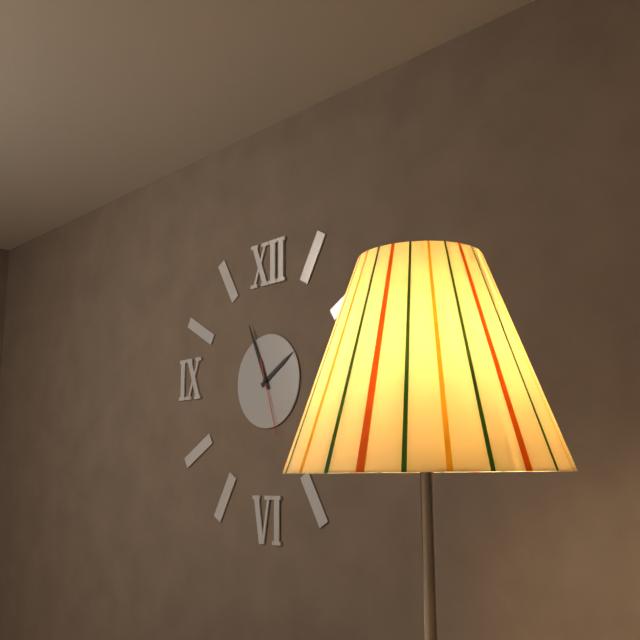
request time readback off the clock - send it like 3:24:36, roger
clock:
1:56:27
